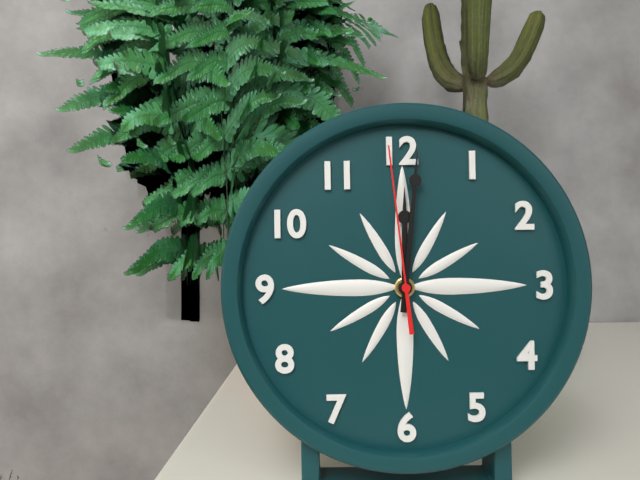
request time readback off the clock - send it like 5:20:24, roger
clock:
12:01:59
